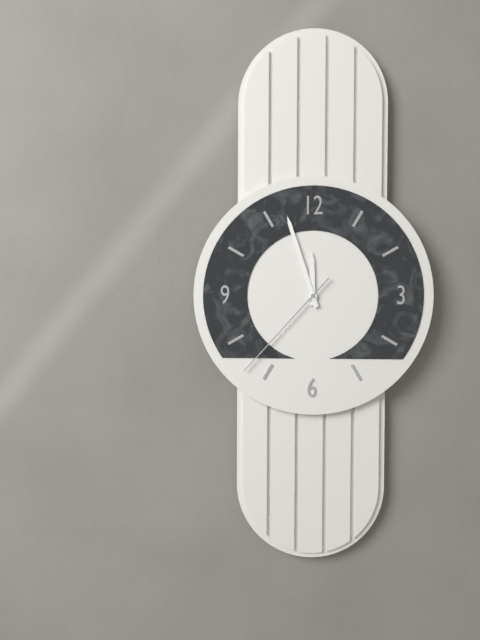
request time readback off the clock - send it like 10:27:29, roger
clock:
11:57:37
